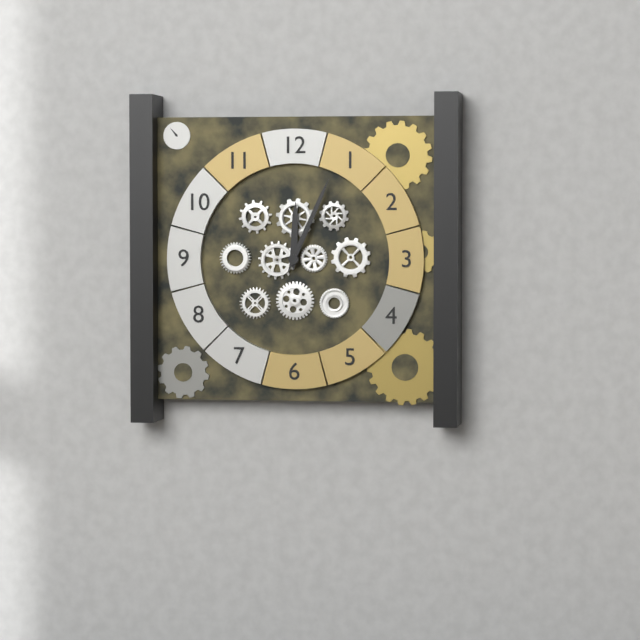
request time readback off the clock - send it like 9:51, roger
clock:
12:04
